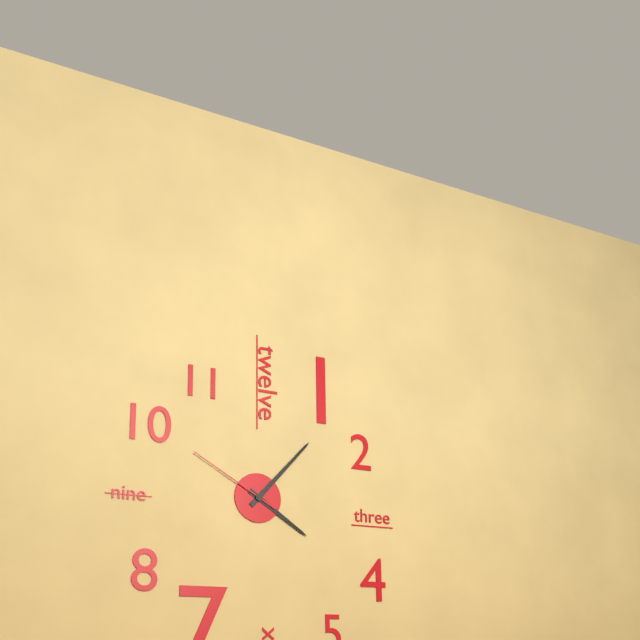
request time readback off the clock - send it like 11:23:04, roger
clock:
4:07:50
